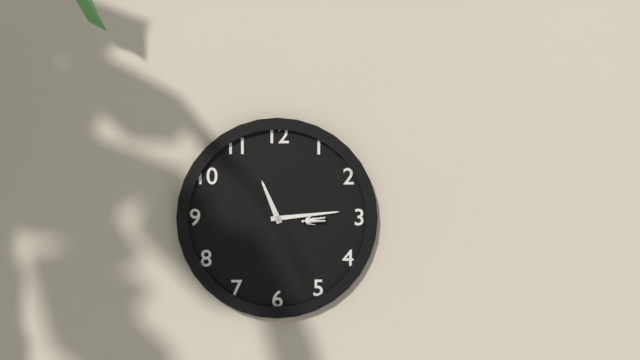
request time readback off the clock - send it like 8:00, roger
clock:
11:14
